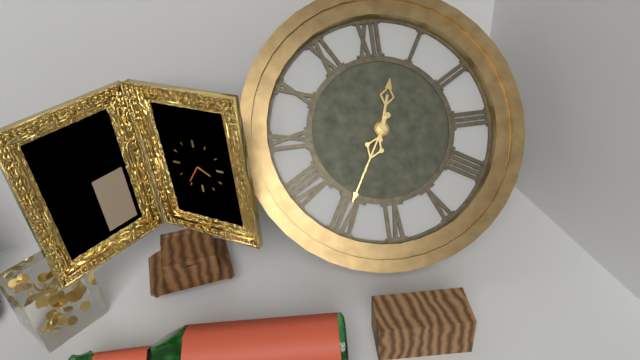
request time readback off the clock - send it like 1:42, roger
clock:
12:35
